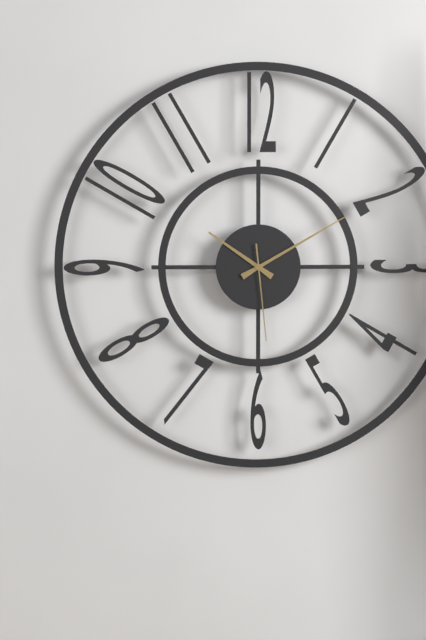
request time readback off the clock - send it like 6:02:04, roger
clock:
10:10:29
